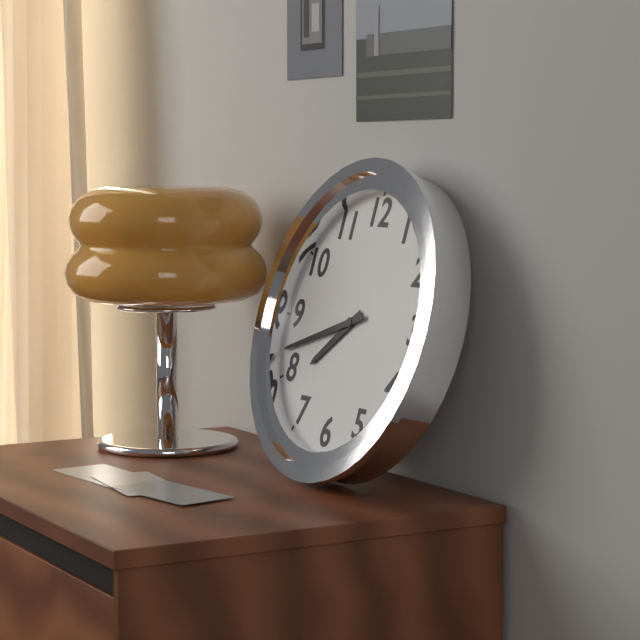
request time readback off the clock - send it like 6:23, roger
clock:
7:42
